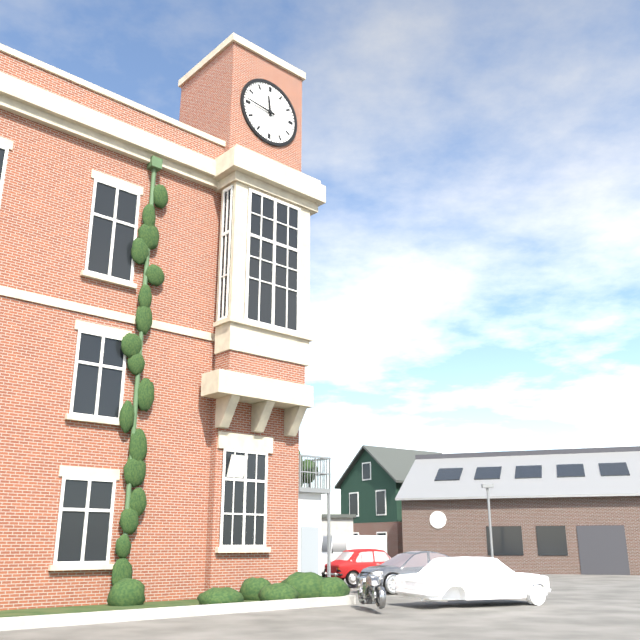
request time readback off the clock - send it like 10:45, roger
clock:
11:46
